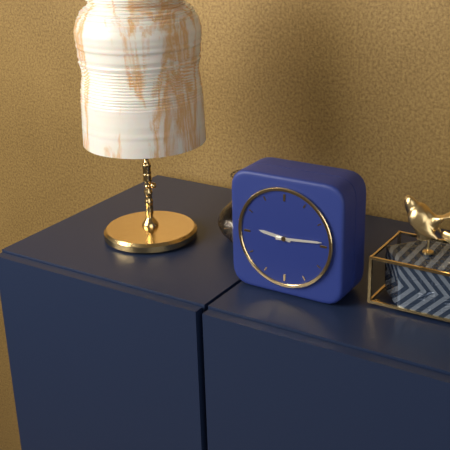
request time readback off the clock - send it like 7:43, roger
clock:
9:14
